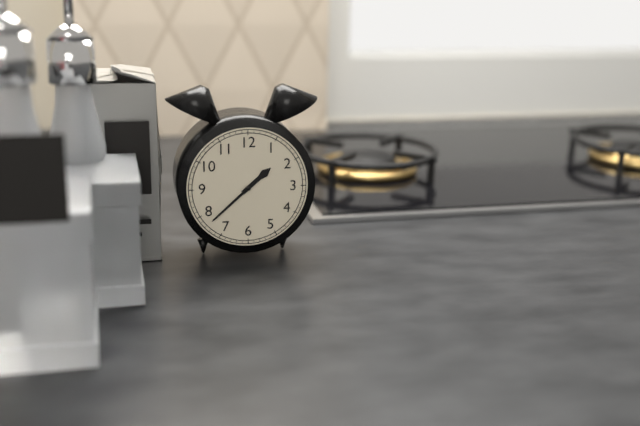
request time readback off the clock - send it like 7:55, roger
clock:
1:38
